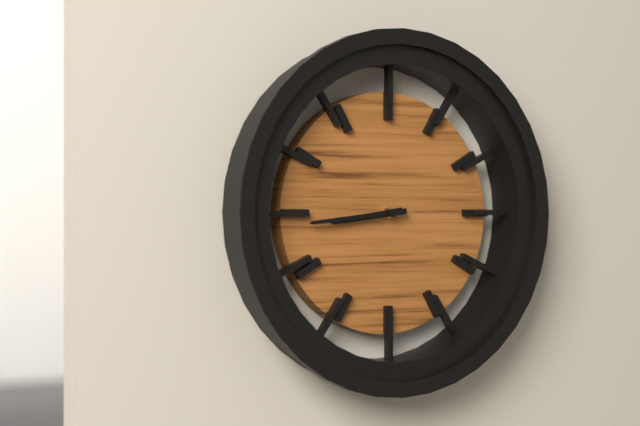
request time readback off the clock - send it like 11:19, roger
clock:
8:44
